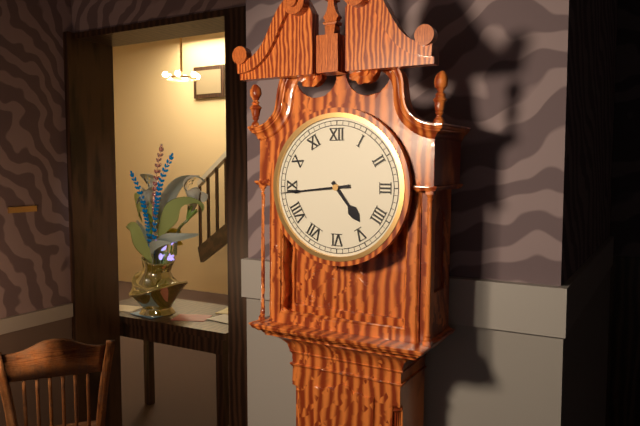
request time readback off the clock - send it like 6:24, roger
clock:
4:44
